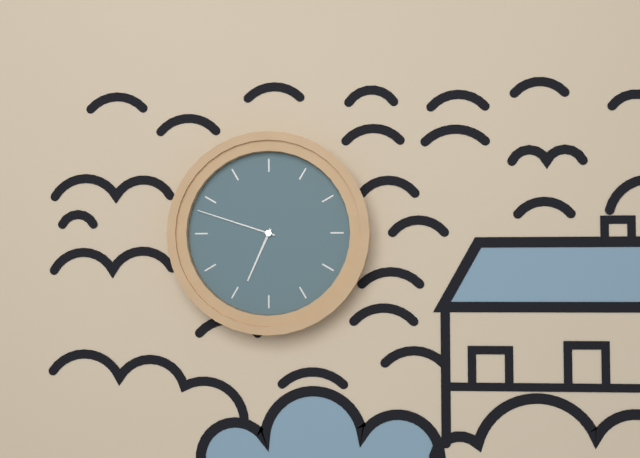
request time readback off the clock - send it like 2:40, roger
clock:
6:48
